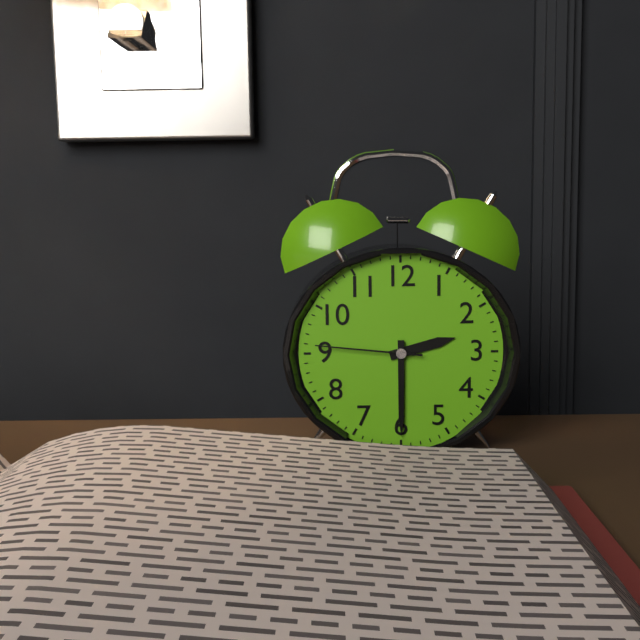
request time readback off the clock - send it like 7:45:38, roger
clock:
2:30:46
